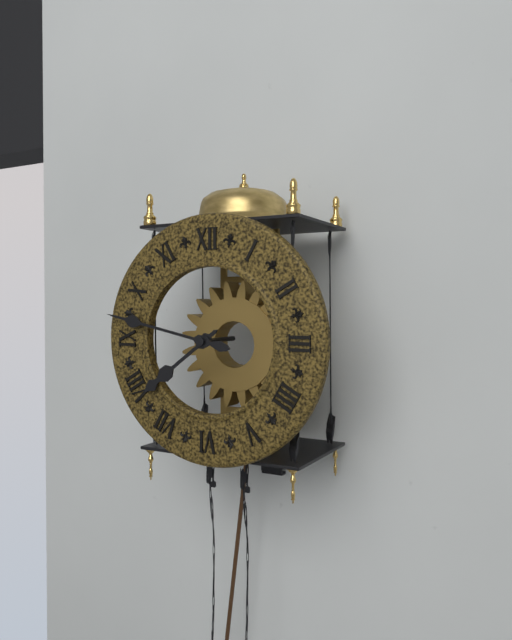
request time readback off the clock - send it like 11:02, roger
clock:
7:47
